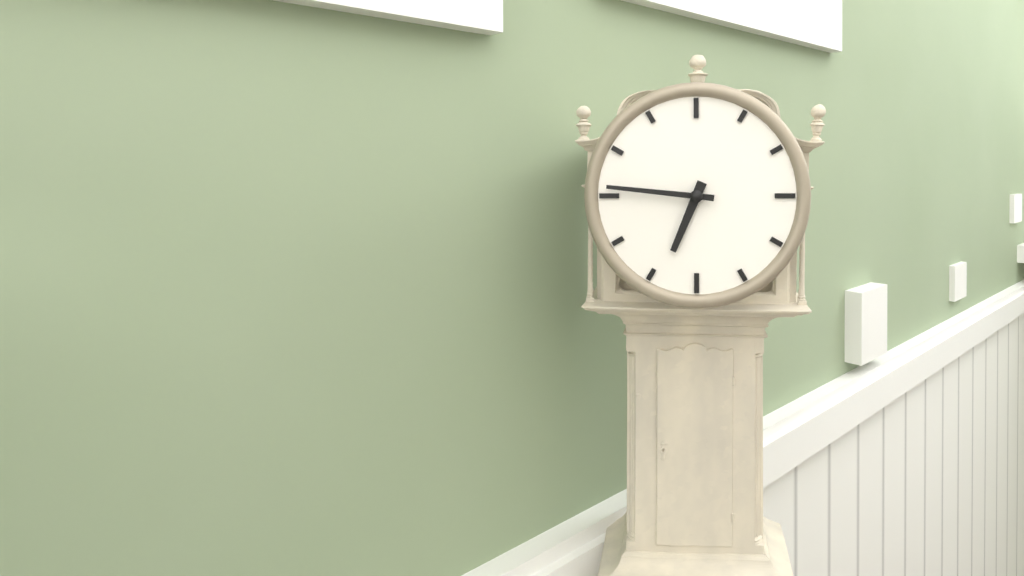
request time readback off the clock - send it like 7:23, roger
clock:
6:46
